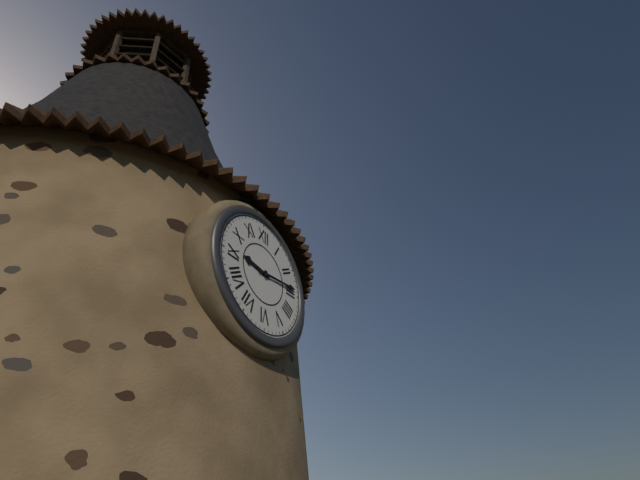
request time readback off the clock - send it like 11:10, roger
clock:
9:14
